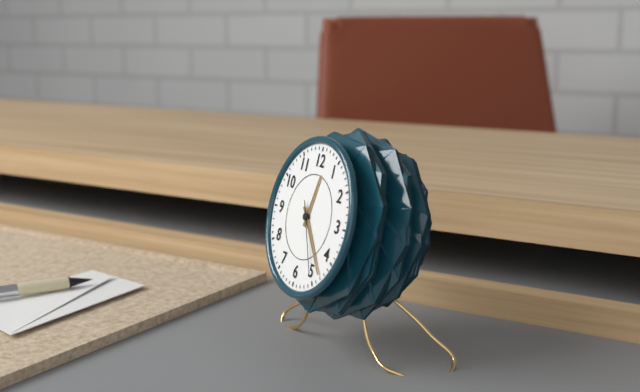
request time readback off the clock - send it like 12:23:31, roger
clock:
12:23:25
